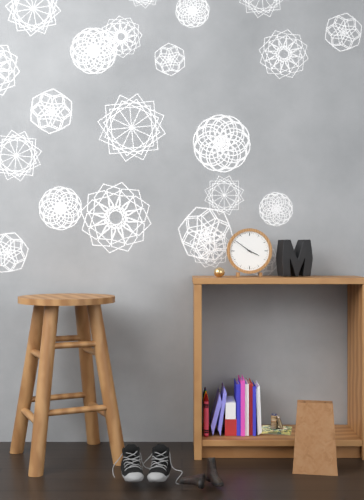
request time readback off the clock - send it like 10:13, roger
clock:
3:51
